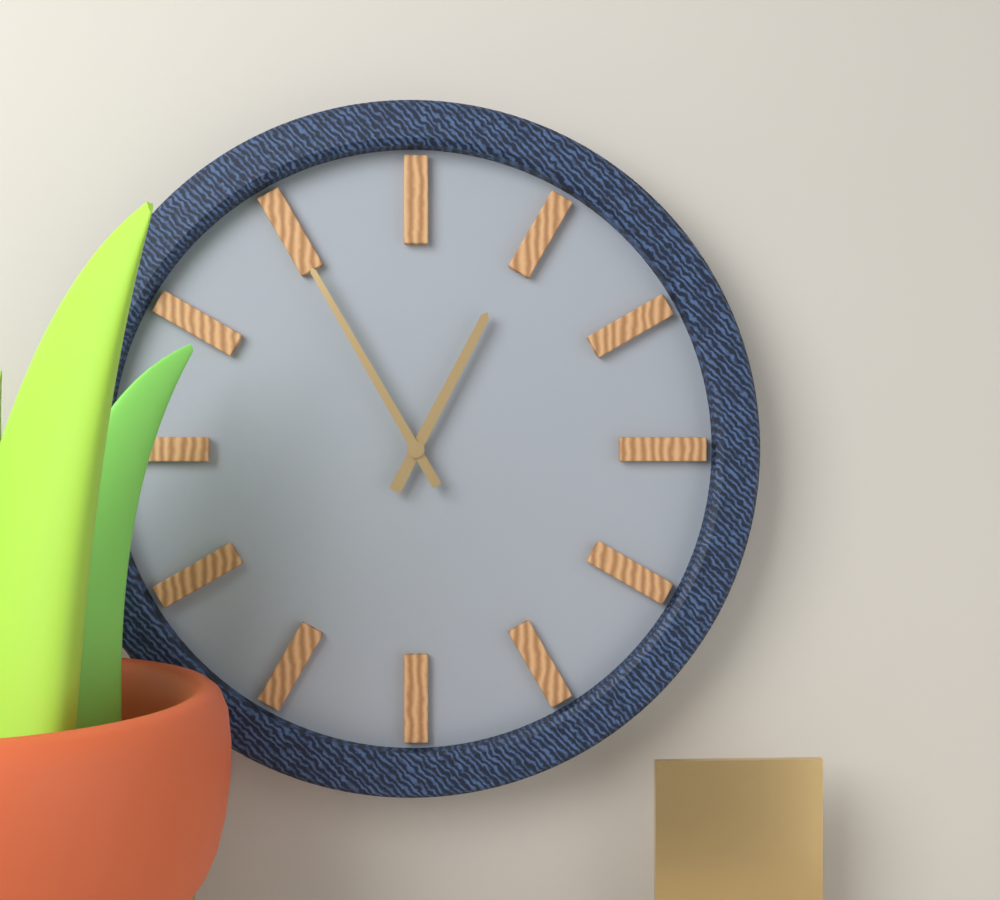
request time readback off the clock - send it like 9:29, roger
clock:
12:55
